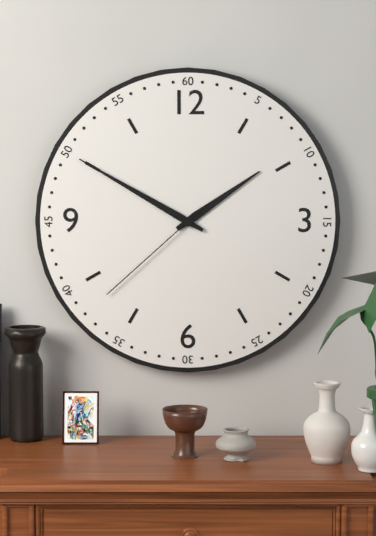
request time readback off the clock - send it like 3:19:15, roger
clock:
1:50:38
